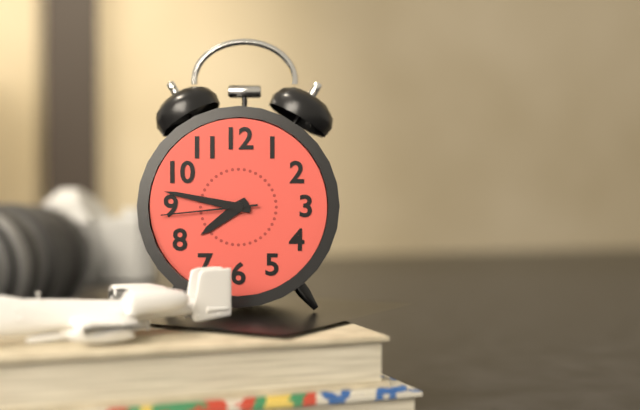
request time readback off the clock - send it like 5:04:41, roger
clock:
7:47:44
